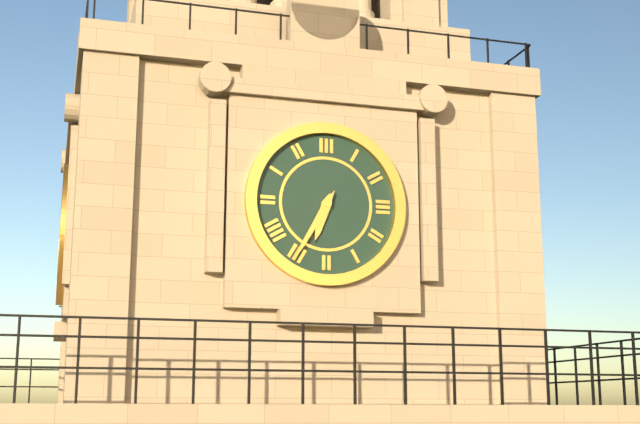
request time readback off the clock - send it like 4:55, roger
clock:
6:35
